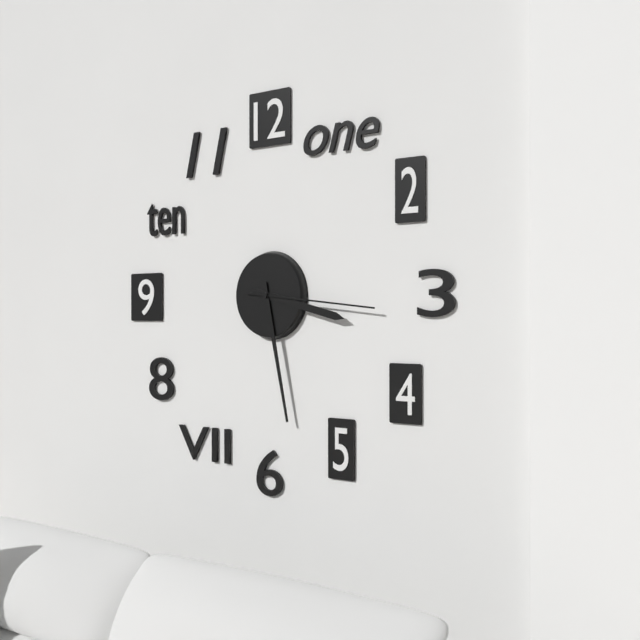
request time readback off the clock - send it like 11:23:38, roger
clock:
3:28:16
